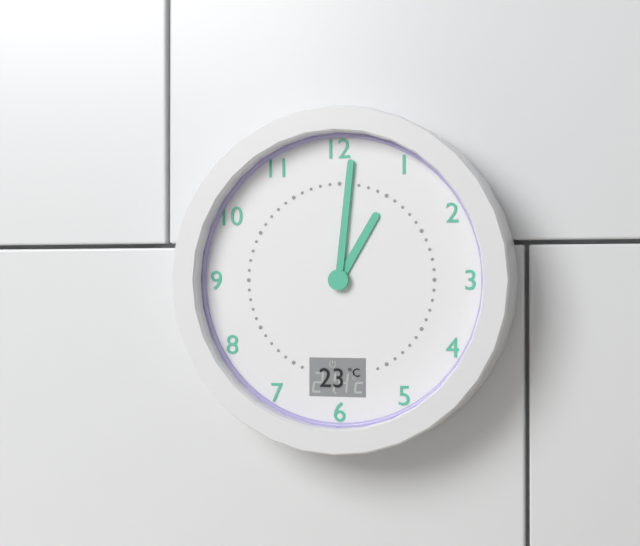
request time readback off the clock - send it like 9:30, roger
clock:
1:01
